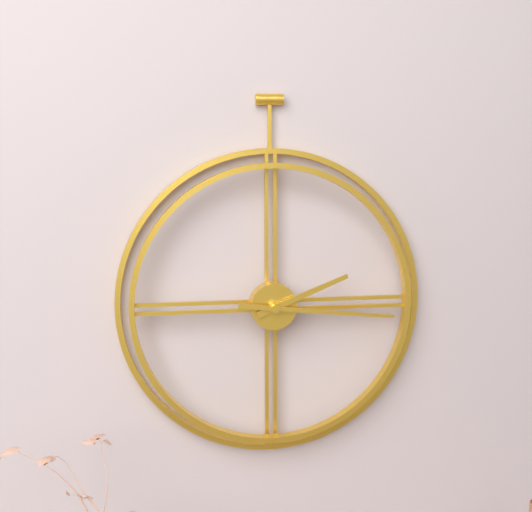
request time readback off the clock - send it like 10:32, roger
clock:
2:16
